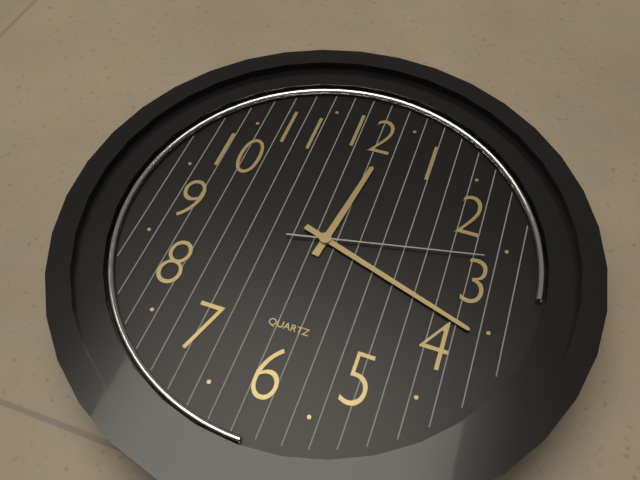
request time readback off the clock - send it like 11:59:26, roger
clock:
12:18:13
